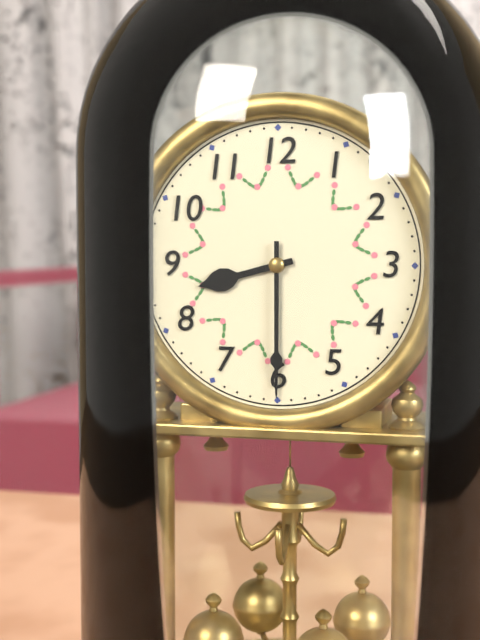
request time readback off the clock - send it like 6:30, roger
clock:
8:30
